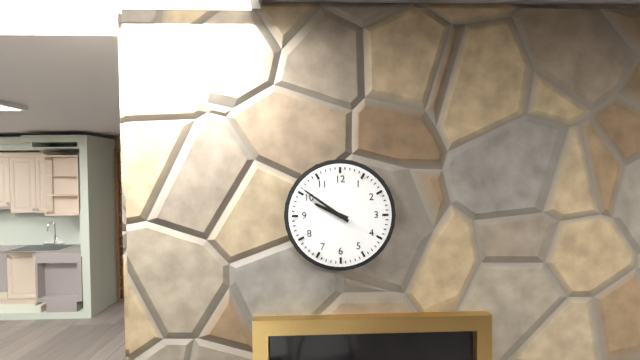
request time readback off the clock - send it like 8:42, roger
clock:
9:51
